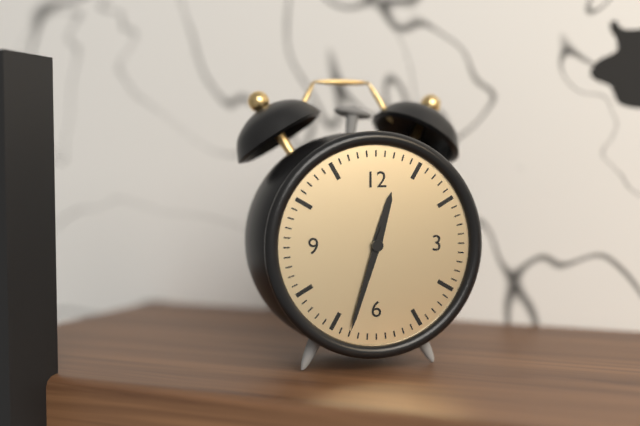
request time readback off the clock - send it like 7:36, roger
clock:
12:33
